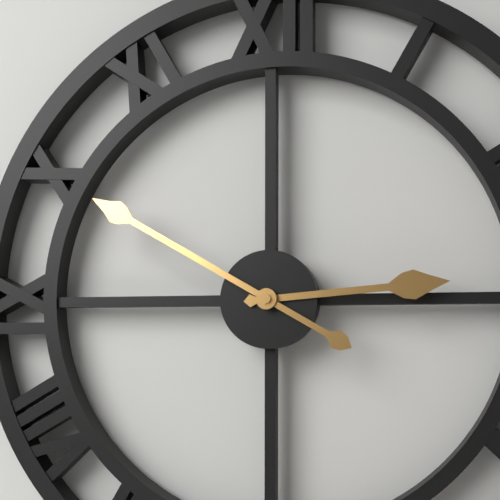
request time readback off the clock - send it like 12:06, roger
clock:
2:50
